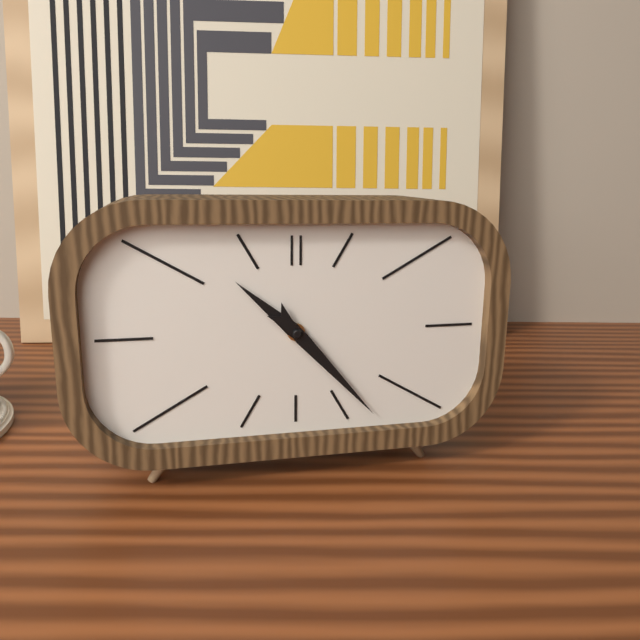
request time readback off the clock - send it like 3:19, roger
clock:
10:23
